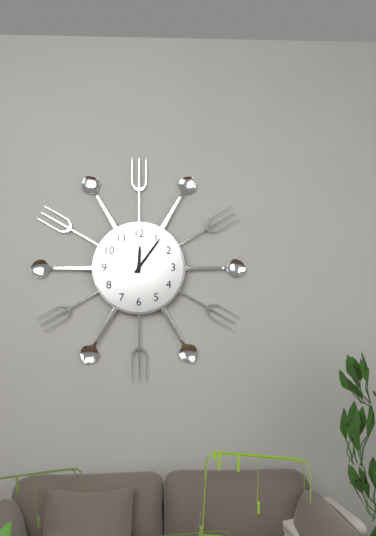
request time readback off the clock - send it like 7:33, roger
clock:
12:06
